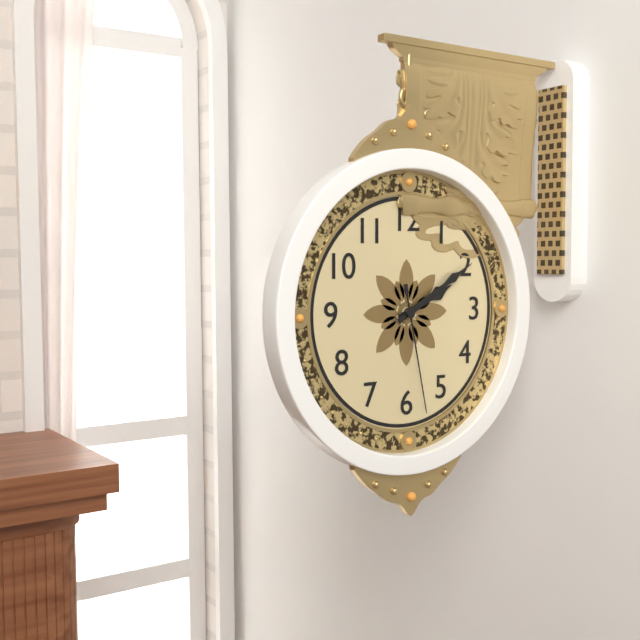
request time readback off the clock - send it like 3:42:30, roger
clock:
2:10:28
